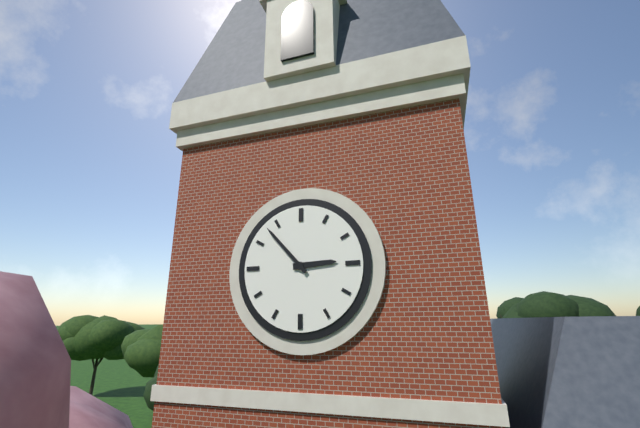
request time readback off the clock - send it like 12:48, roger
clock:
2:53
